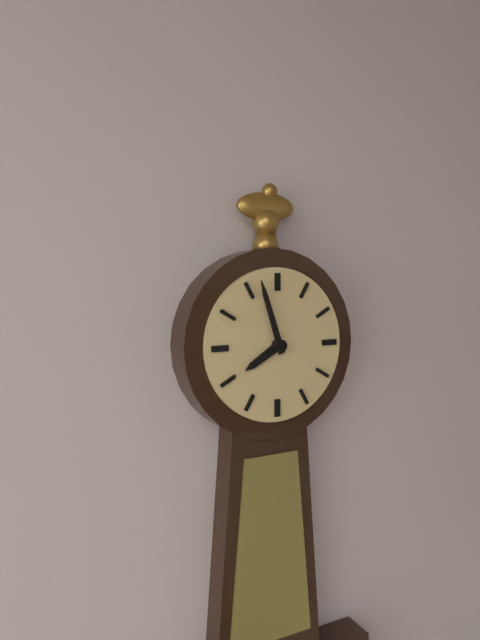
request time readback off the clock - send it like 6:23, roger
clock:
7:57
